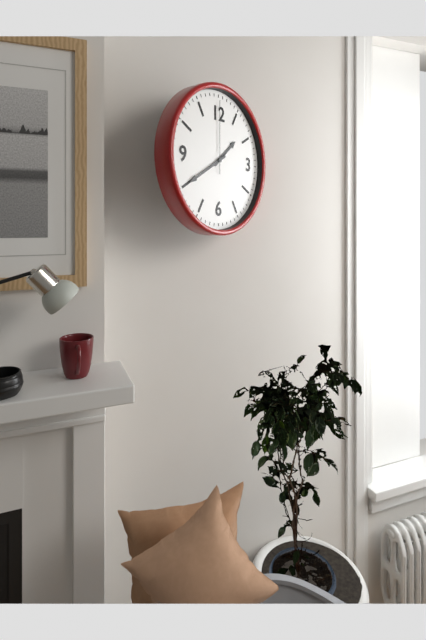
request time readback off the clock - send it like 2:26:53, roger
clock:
1:40:00
